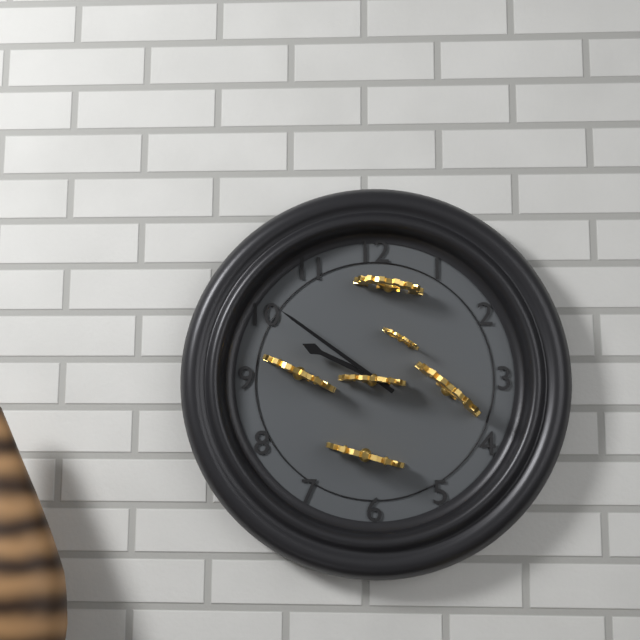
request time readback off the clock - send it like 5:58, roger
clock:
9:51
